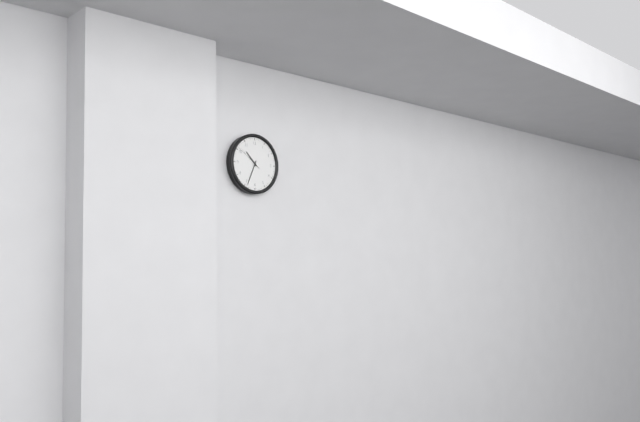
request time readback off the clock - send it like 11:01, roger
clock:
10:34
